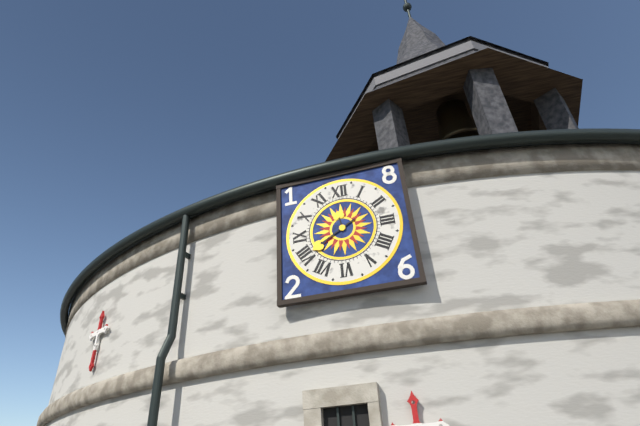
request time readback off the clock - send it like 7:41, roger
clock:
11:40
